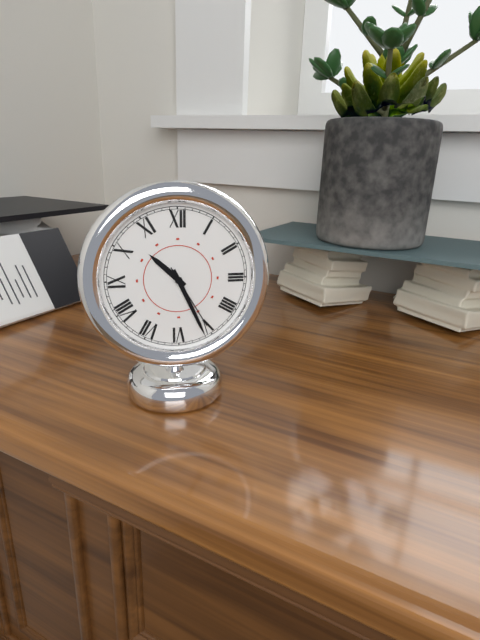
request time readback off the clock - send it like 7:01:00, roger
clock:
10:26:25
